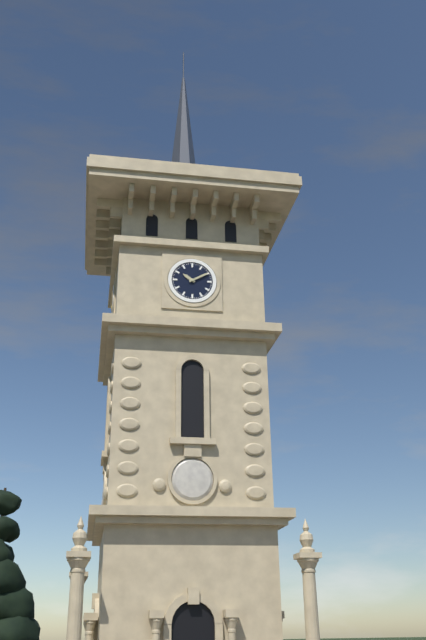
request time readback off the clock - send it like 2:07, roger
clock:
10:10
